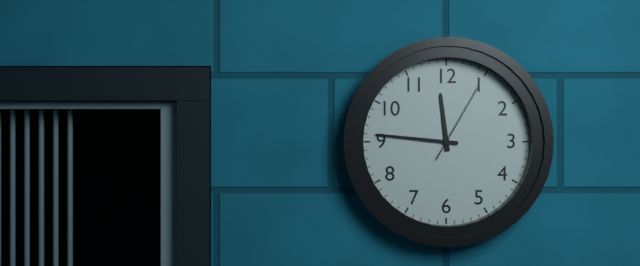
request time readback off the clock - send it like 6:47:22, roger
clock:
11:46:05
